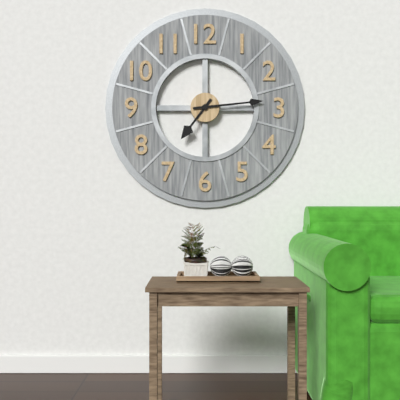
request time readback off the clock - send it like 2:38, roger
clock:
7:14
